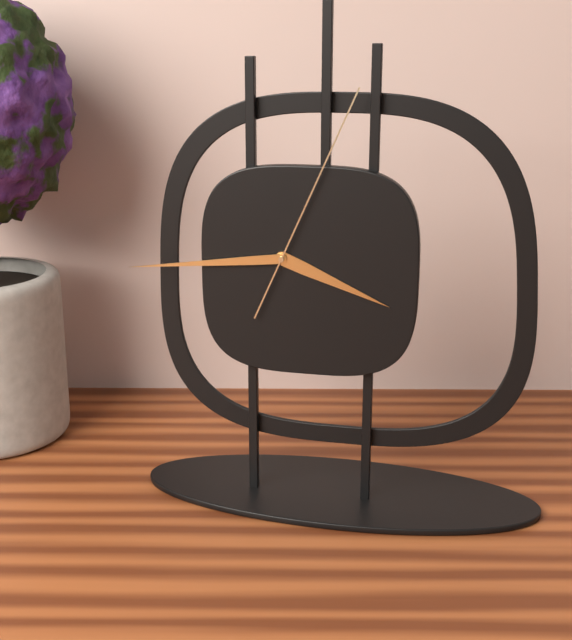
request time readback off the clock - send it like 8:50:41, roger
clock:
3:44:04
